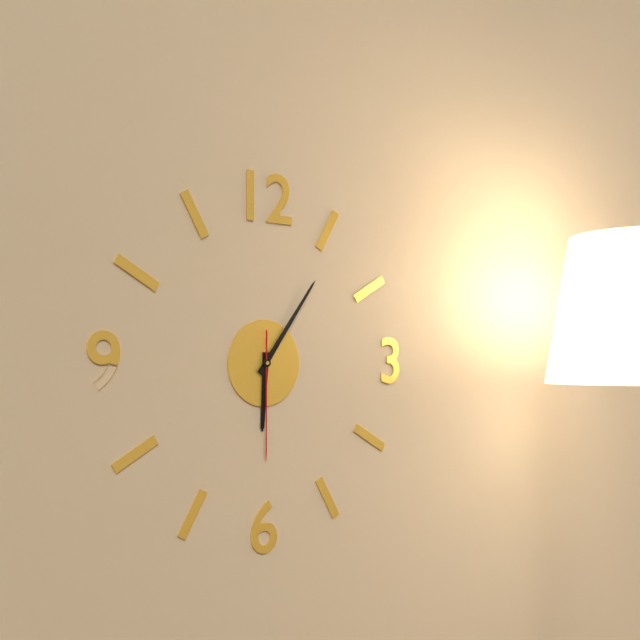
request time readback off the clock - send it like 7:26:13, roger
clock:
6:06:30
